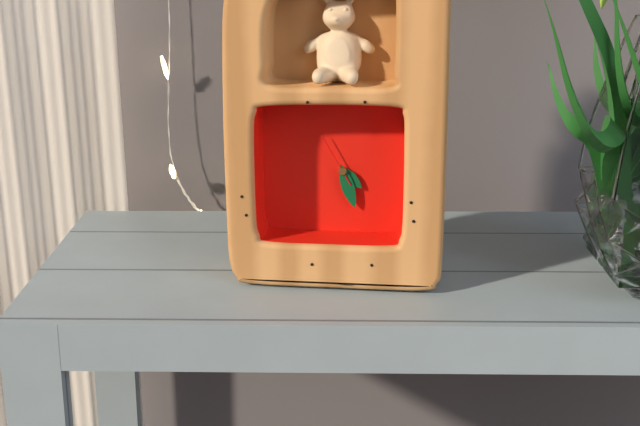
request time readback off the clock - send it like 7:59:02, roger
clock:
4:27:55
